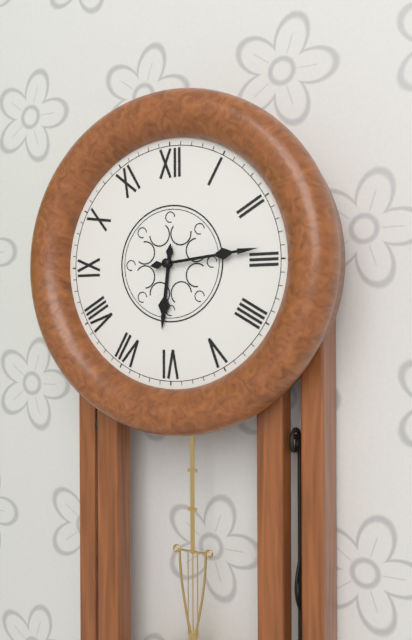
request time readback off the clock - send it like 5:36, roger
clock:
6:14
